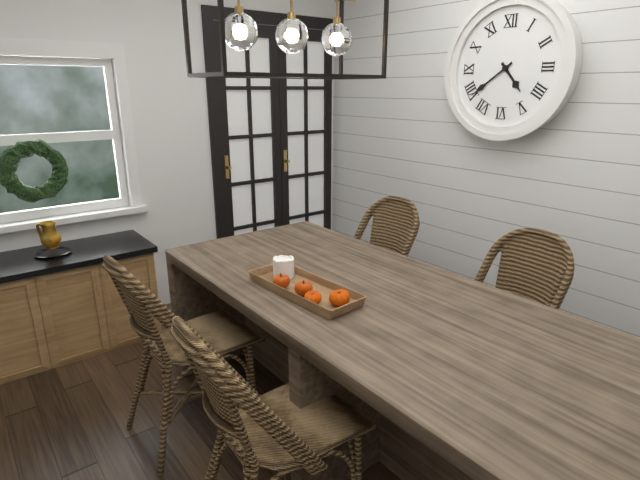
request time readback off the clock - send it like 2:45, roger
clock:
4:39
